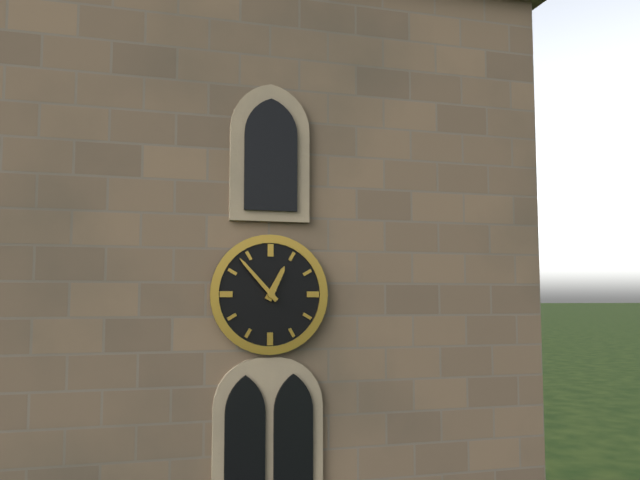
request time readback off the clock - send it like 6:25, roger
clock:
12:53
